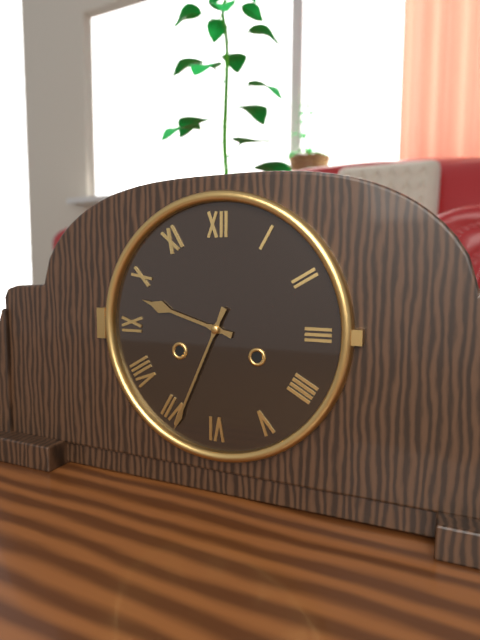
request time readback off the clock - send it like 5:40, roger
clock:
9:34
